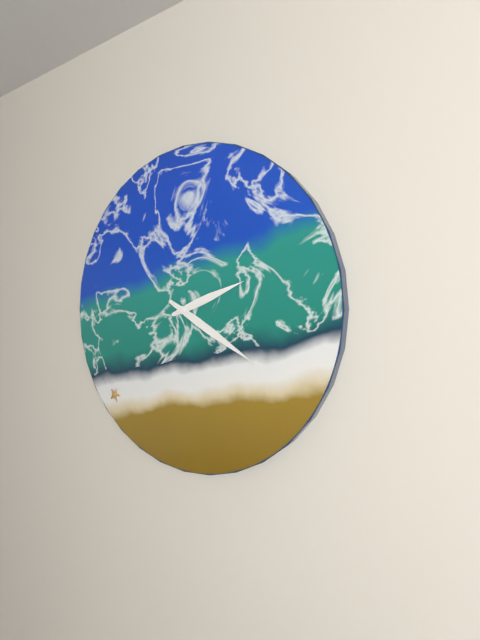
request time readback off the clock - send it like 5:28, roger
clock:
2:20
